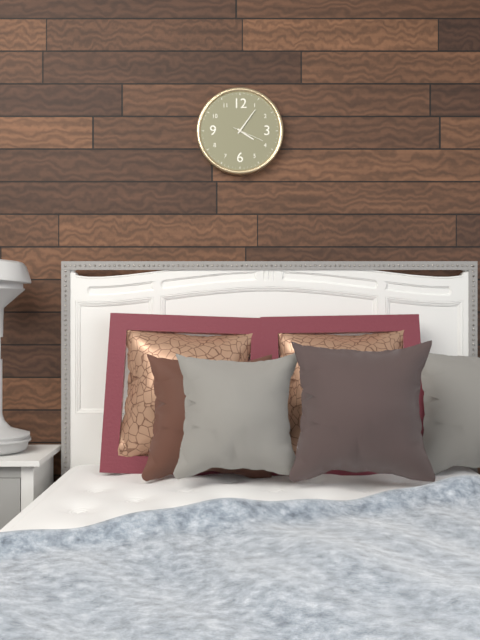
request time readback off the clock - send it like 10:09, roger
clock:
4:06
